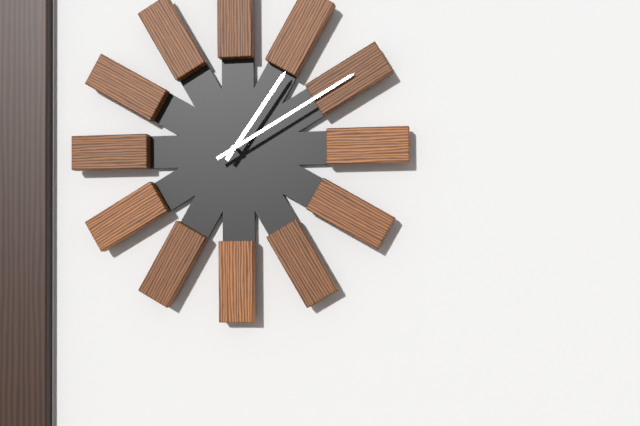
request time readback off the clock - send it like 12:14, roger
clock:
1:10
